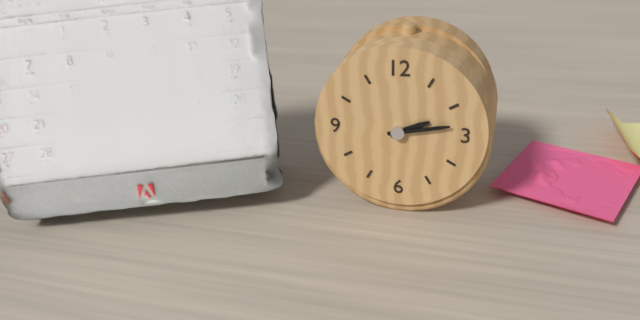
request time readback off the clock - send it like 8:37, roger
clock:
2:13
